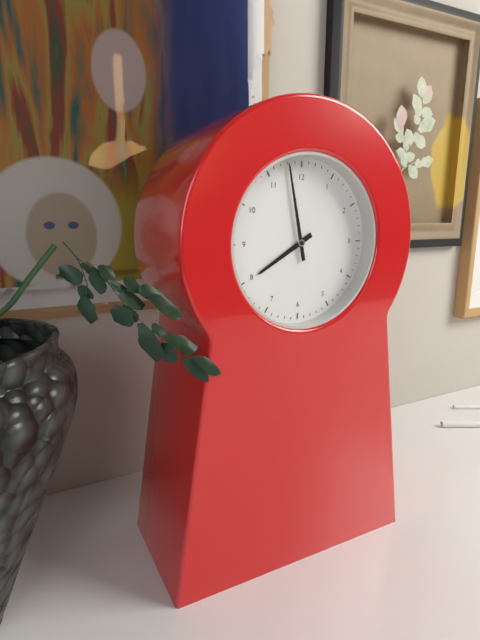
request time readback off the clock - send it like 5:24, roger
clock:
7:58
